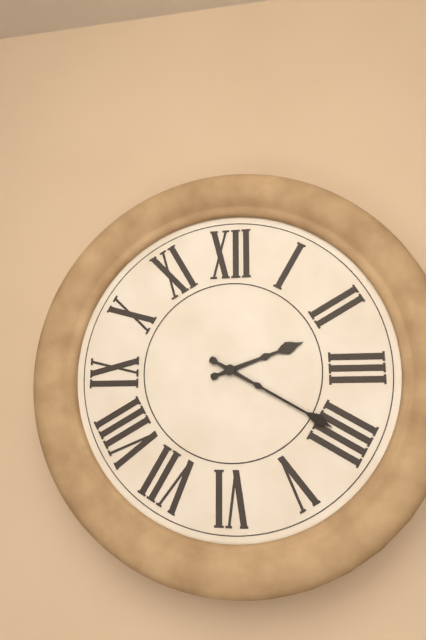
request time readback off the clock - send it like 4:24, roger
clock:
2:20
